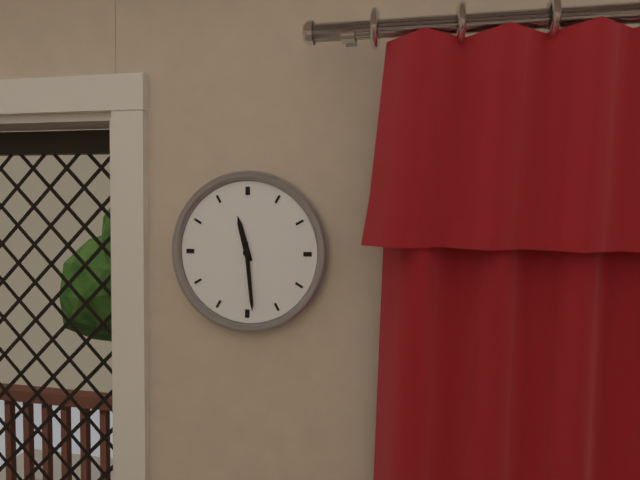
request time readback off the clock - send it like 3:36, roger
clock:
11:29
